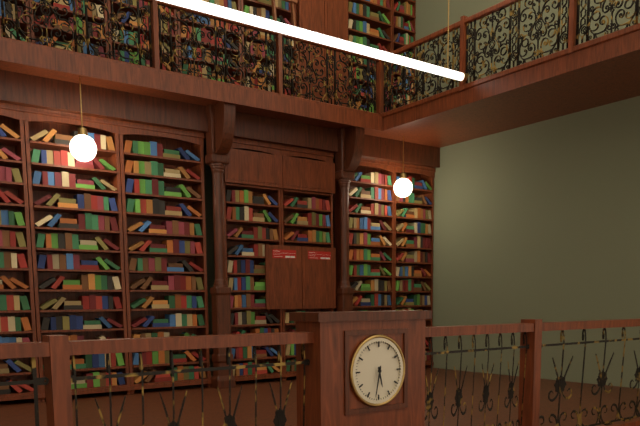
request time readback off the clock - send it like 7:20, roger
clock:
5:32
